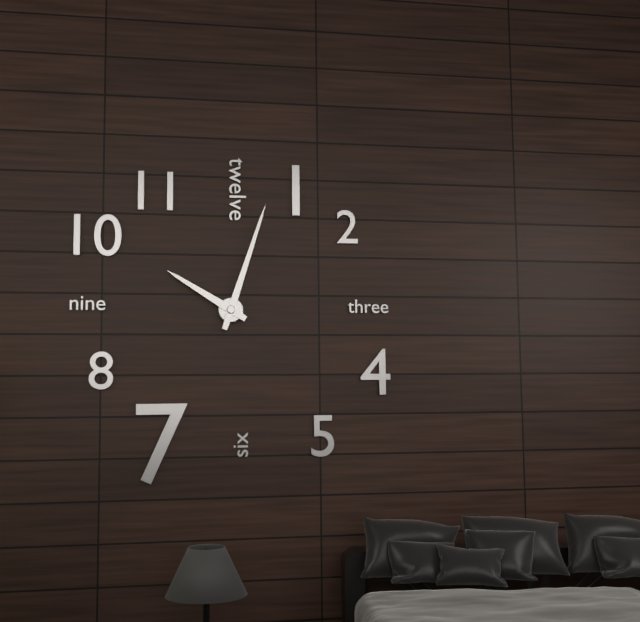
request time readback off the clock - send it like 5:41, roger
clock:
10:03
